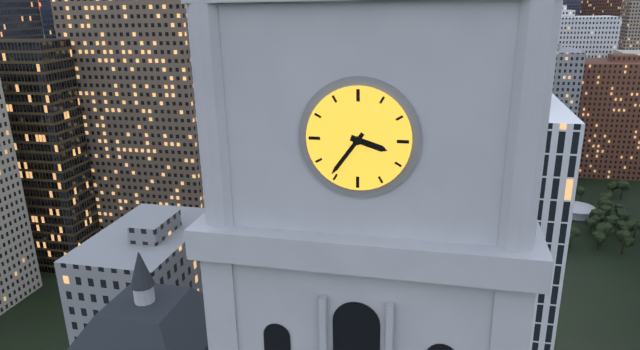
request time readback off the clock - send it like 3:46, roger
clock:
3:36
